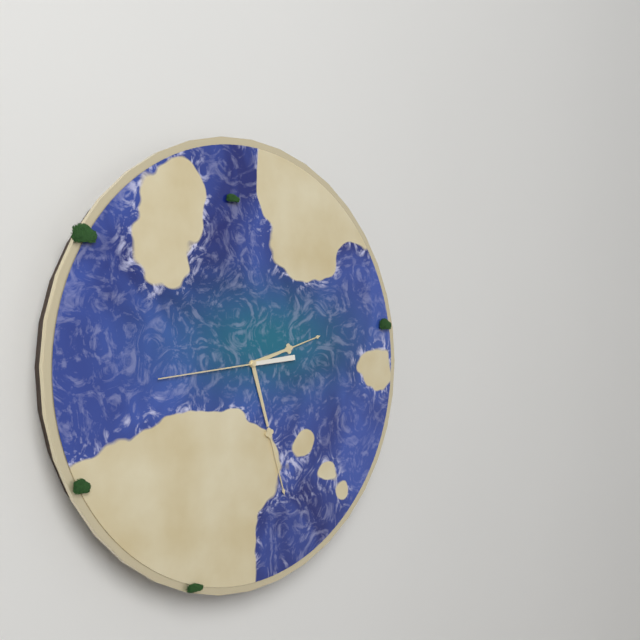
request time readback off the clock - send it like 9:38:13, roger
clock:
2:27:44
